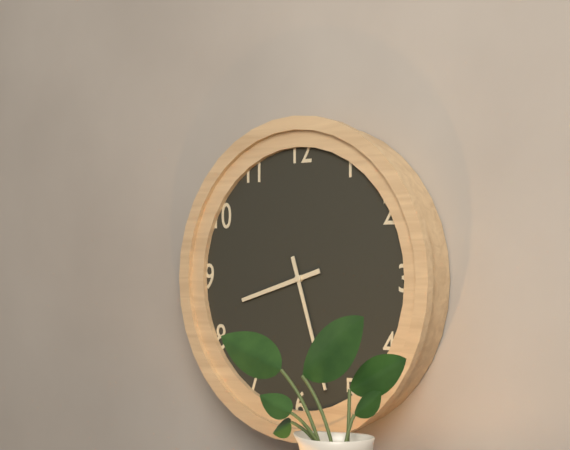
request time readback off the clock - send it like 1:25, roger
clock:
8:27
